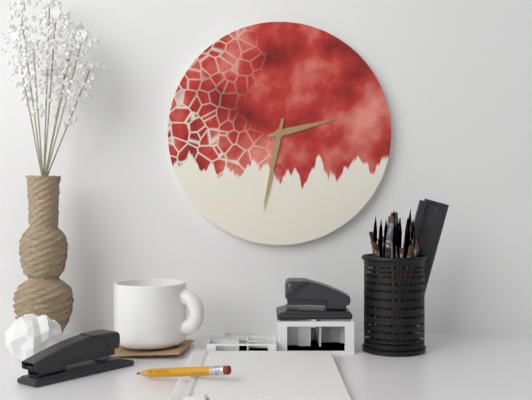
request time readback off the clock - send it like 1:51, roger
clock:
2:32
